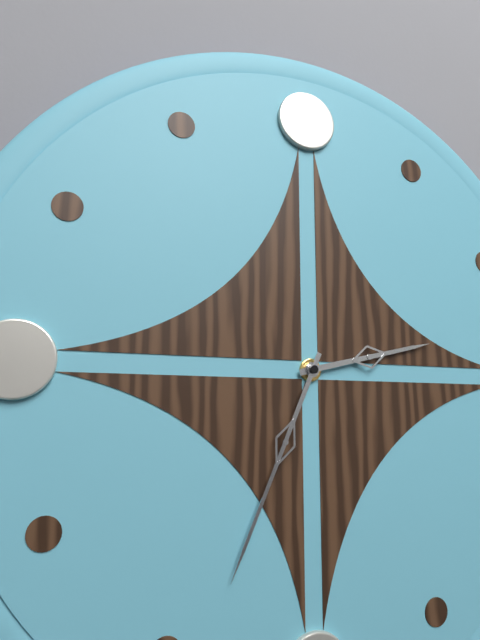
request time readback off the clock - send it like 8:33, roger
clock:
2:34
